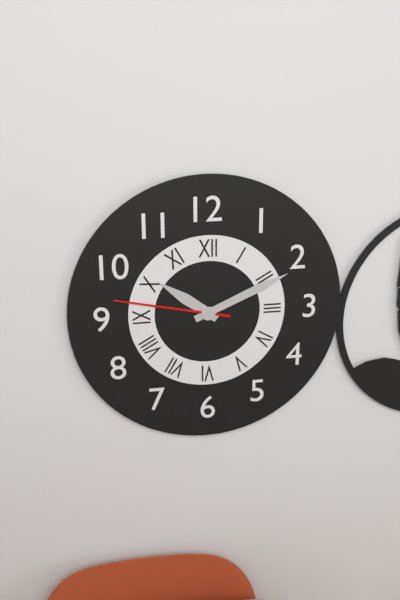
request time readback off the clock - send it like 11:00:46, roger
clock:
10:11:47
